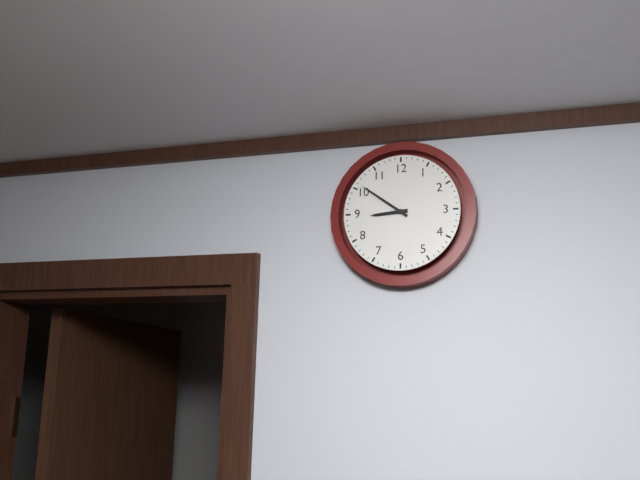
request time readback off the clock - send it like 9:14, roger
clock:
8:51
